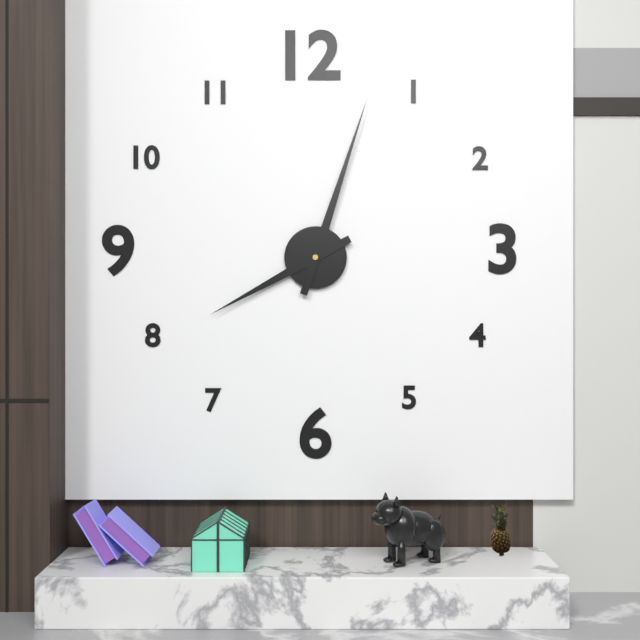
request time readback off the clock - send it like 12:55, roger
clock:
8:03
